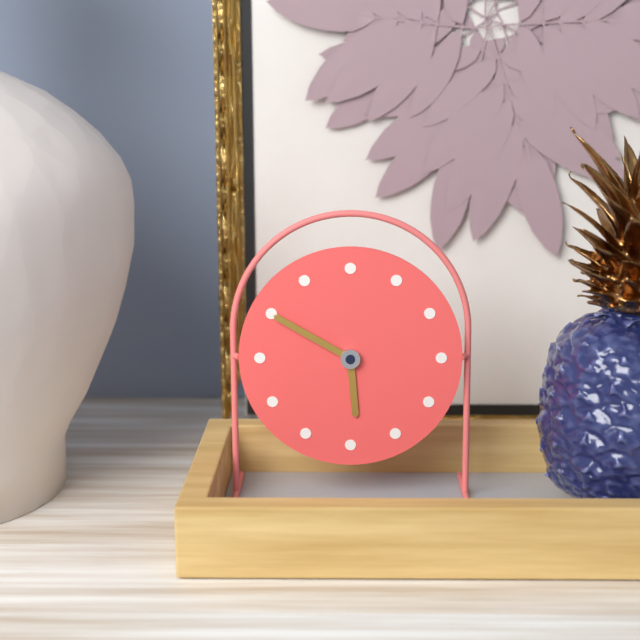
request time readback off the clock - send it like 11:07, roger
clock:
5:50
